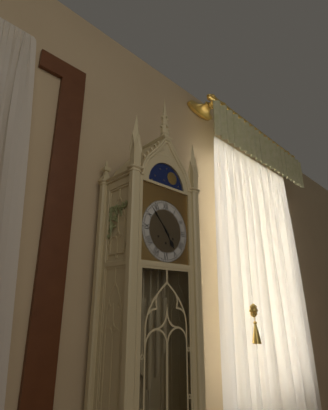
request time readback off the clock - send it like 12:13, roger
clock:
4:53
